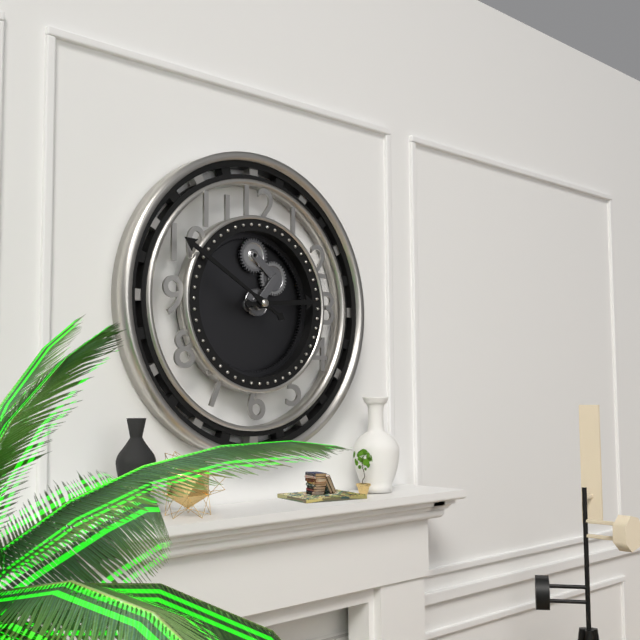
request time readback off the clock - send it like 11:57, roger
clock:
2:50
